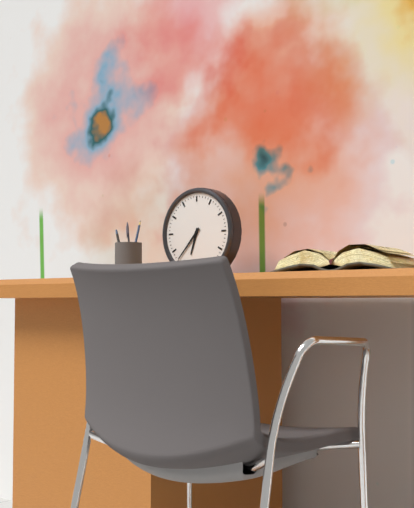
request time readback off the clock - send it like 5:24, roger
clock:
6:37
